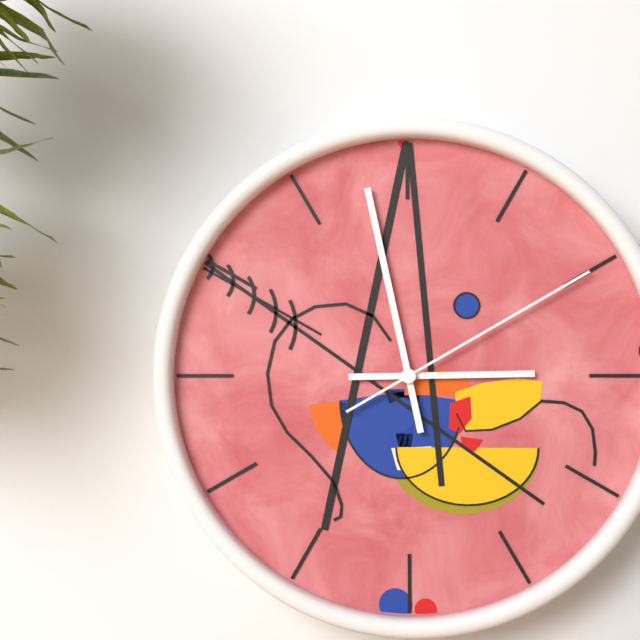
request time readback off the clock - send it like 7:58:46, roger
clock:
2:58:10
